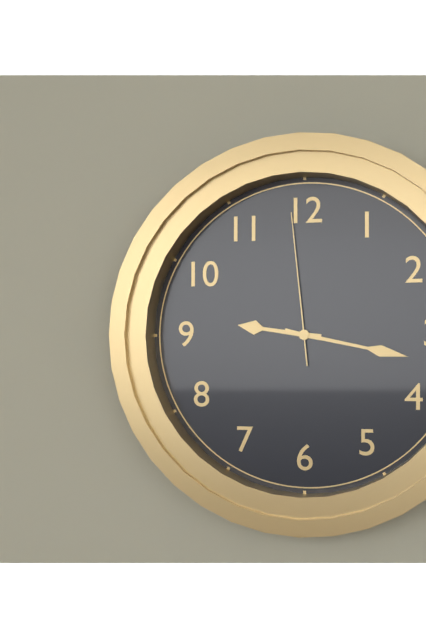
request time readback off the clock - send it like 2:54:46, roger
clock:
9:17:59
